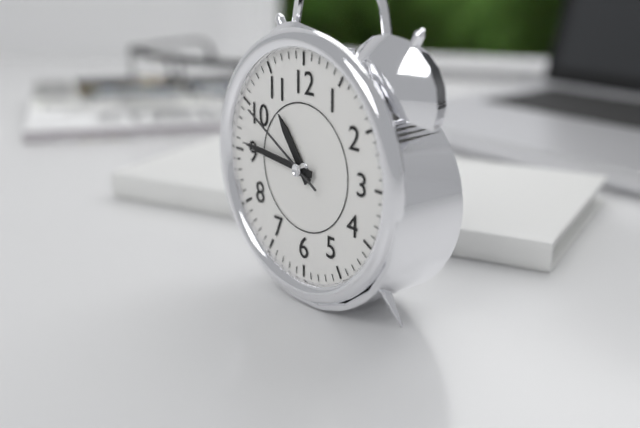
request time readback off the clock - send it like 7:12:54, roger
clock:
10:46:50
